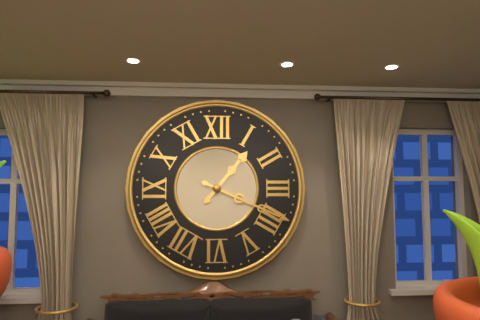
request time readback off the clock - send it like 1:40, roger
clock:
1:19
